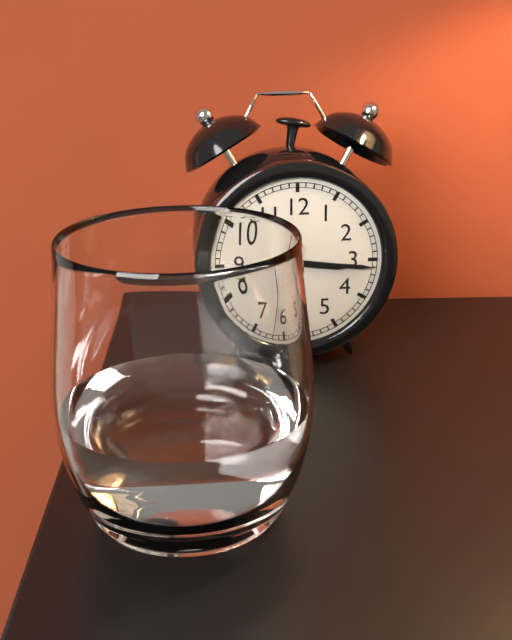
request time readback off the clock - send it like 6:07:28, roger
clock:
3:16:32
